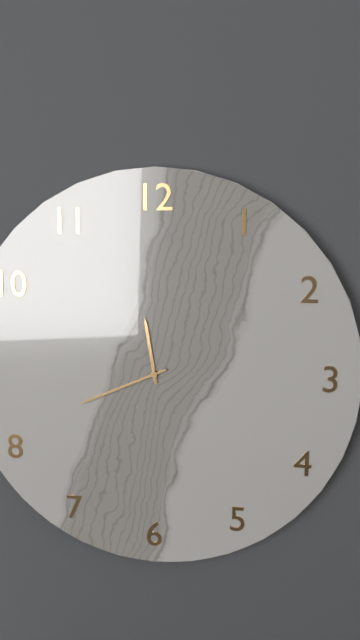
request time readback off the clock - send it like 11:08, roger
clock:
11:41
